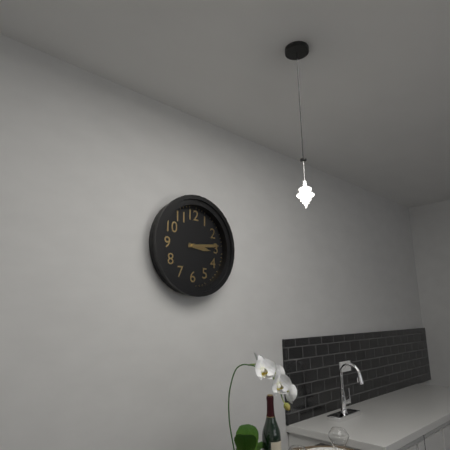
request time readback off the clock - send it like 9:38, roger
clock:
3:14
